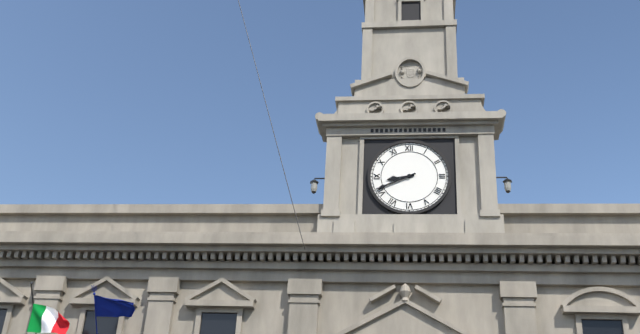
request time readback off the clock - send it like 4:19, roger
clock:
8:41
